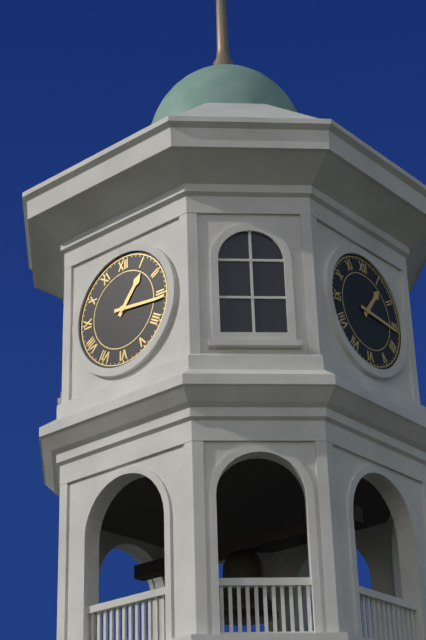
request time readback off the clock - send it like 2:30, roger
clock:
1:16
